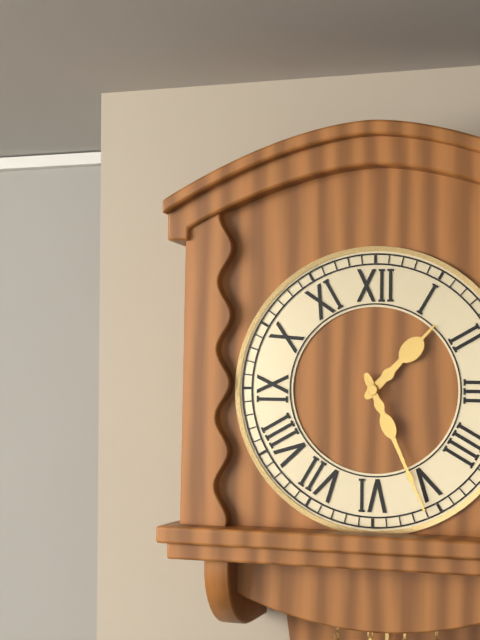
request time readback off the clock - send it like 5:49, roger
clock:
1:26
